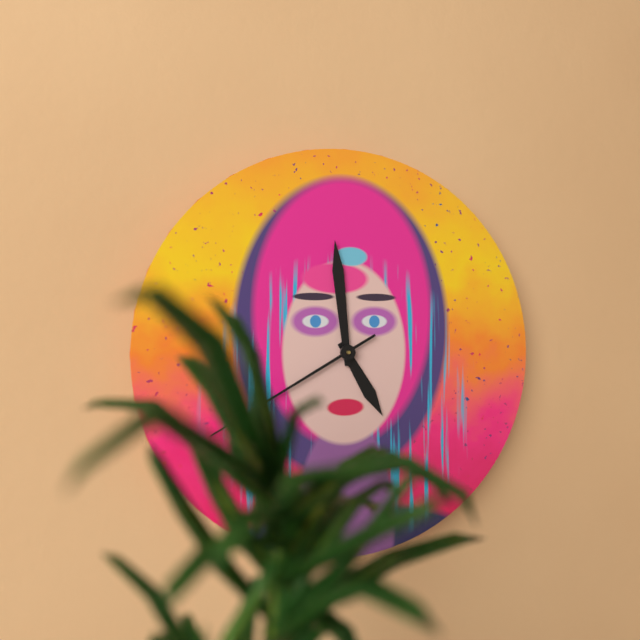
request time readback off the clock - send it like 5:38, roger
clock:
4:59
